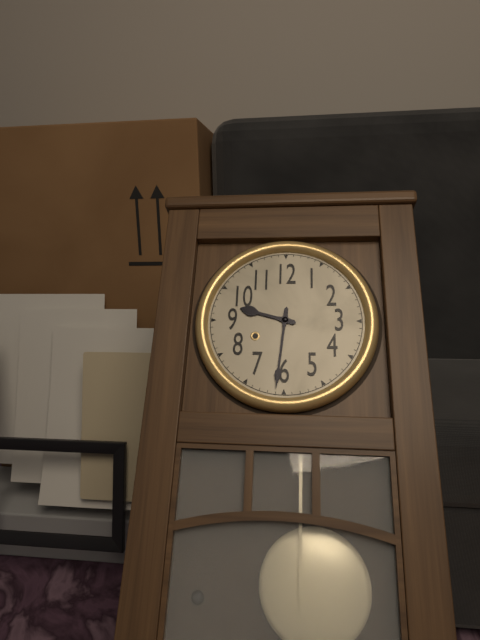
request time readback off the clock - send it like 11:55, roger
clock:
9:31
